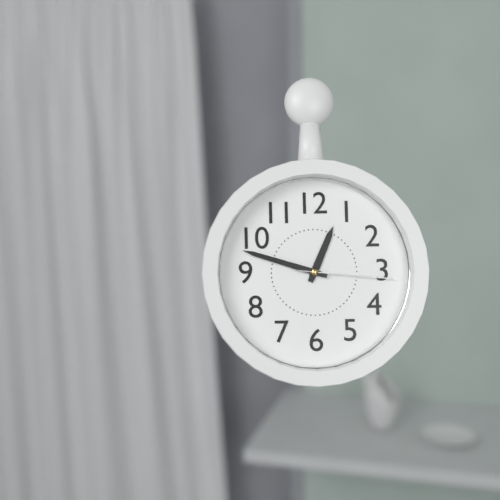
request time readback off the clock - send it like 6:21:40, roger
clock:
12:48:16
